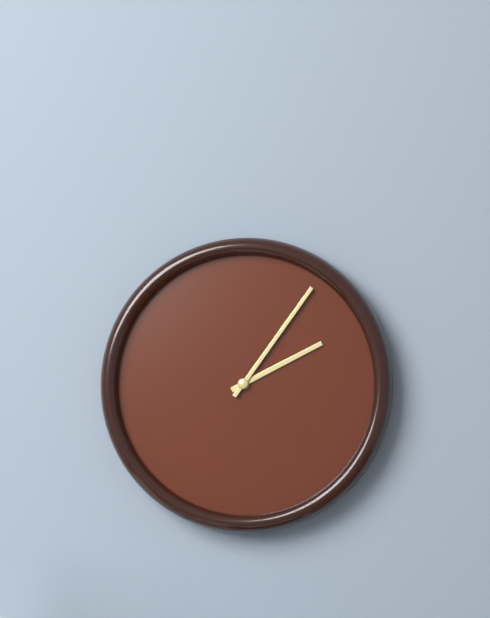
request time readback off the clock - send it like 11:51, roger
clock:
2:06
